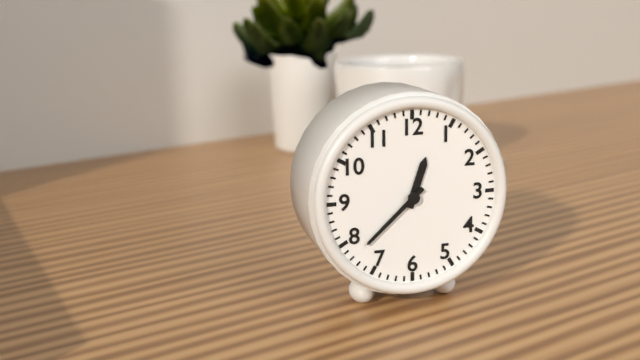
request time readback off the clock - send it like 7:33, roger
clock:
12:38
